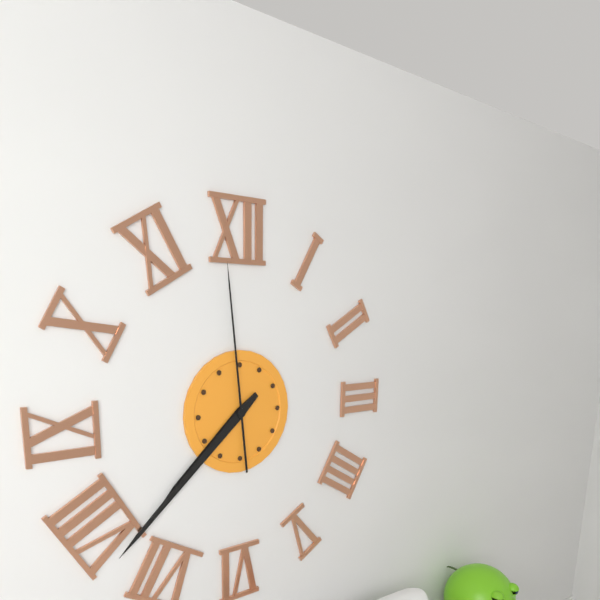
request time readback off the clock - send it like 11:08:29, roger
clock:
7:38:59
